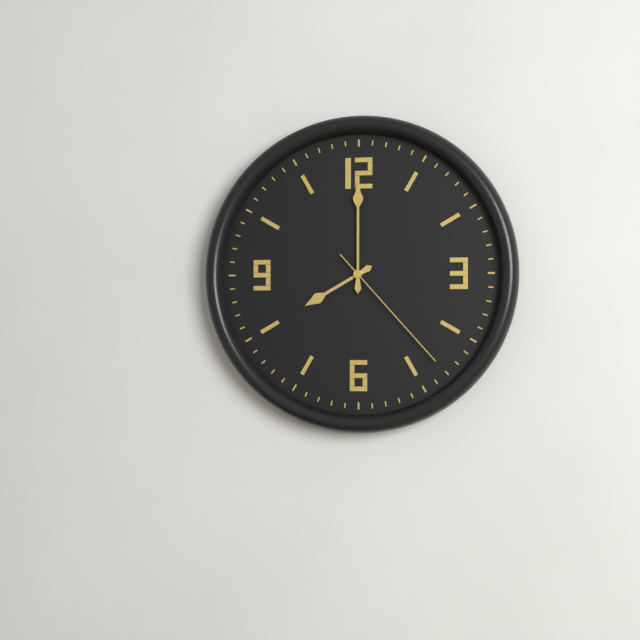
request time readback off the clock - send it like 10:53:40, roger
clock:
8:00:23
